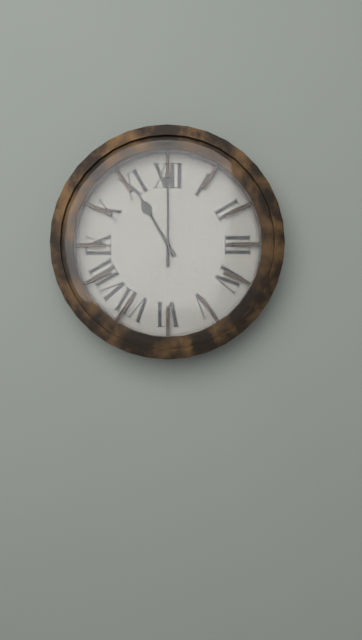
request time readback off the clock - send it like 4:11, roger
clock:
11:00
